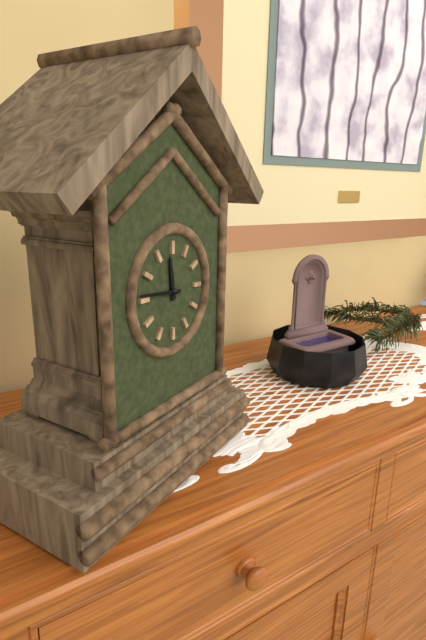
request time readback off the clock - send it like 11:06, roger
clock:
11:46
